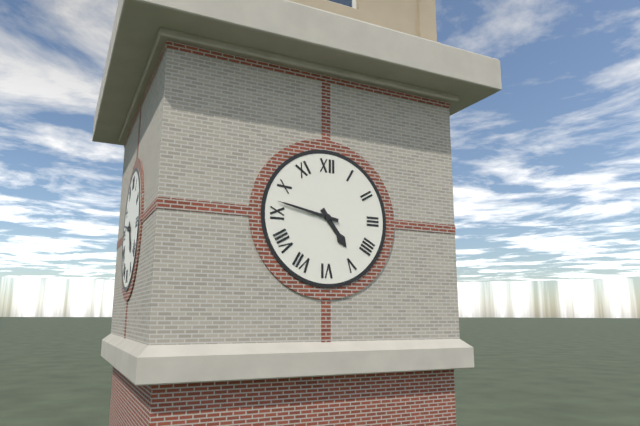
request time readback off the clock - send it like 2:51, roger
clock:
4:47
